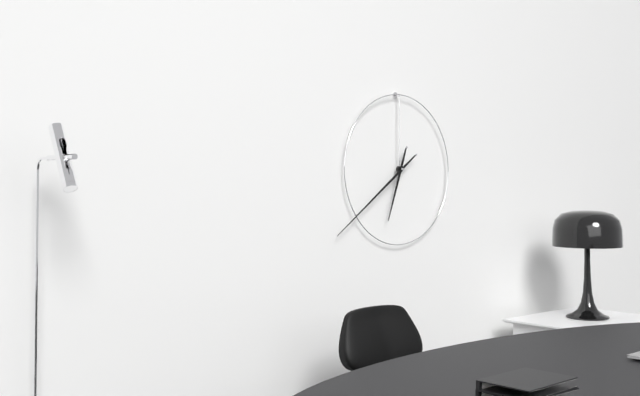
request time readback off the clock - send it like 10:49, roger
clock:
6:39
